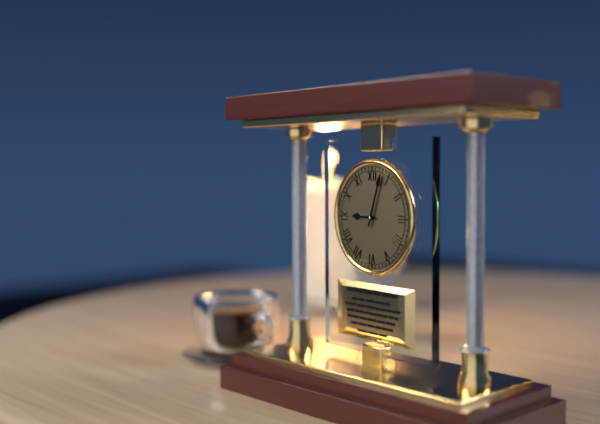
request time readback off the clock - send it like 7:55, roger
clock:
9:03
